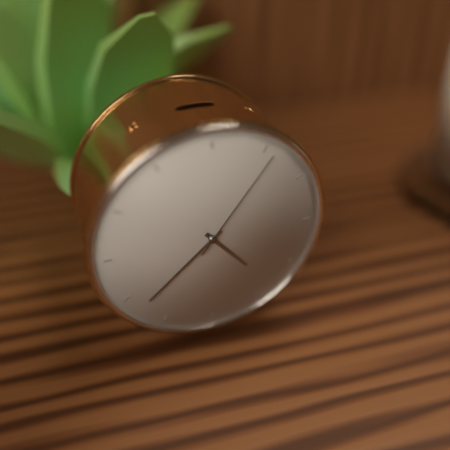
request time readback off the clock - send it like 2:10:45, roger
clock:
4:38:06
